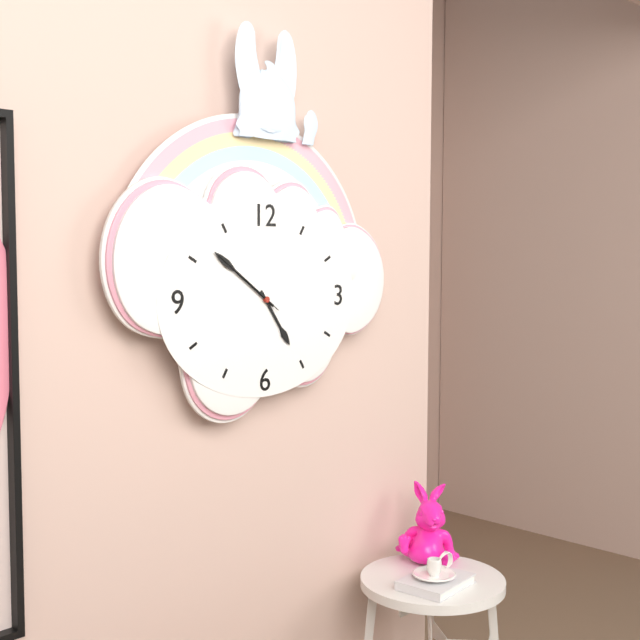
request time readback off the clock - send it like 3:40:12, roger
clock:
4:51:51
